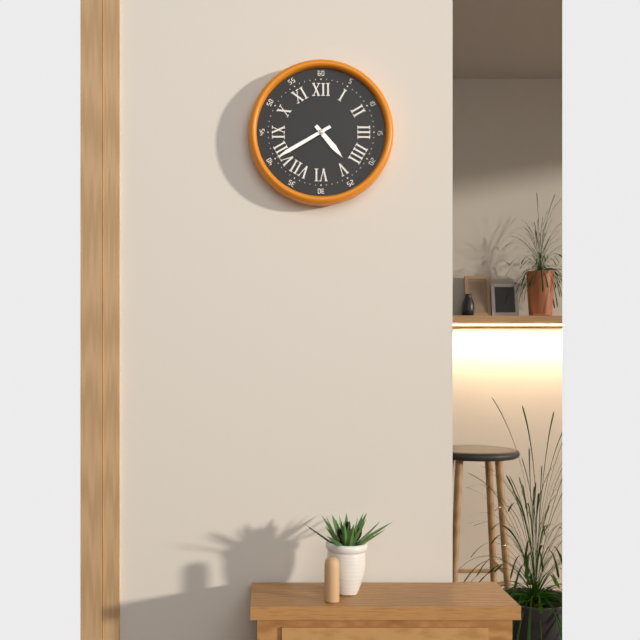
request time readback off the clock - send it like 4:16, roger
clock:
4:40
